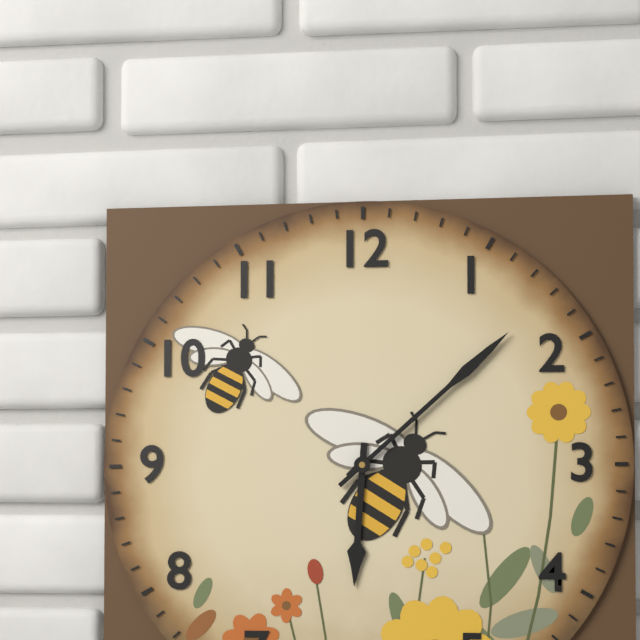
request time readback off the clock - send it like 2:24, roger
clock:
6:08
